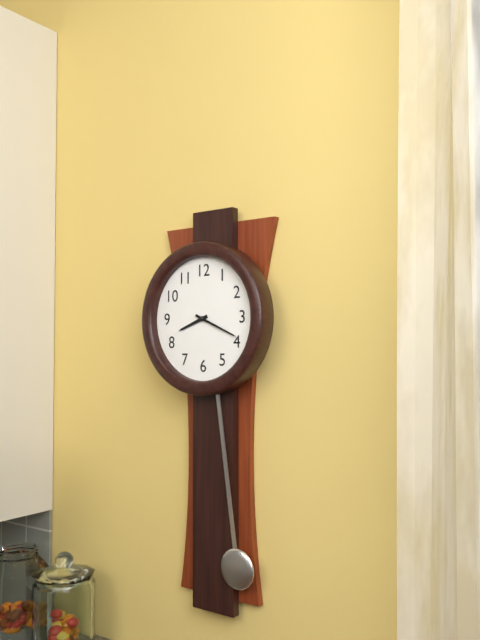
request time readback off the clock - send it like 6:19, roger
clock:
8:19
